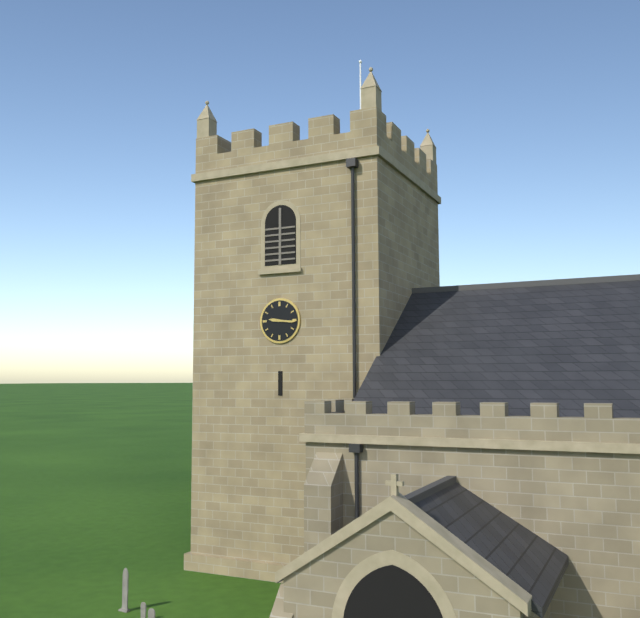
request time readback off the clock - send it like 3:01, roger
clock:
9:16
